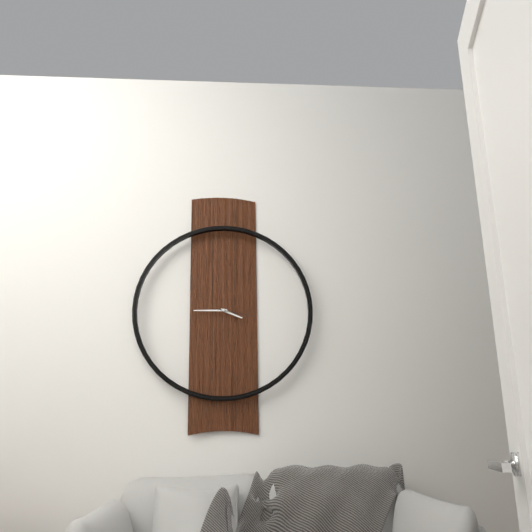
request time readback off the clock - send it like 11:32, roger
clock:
3:45
